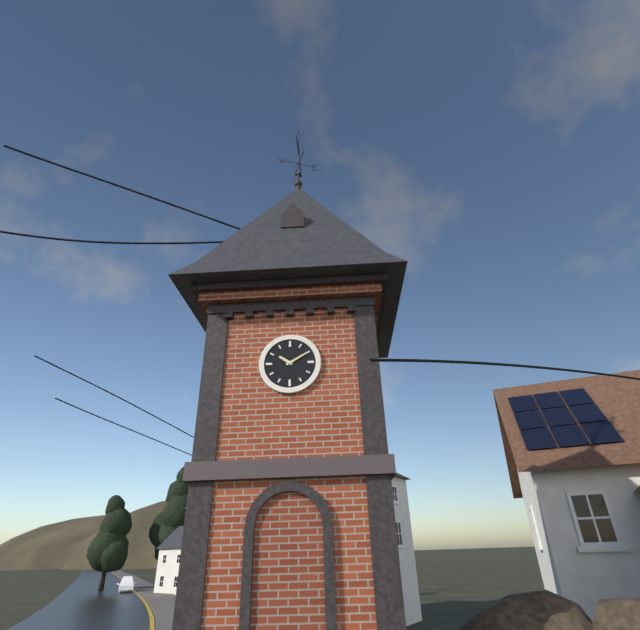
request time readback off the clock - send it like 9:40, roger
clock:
10:10
